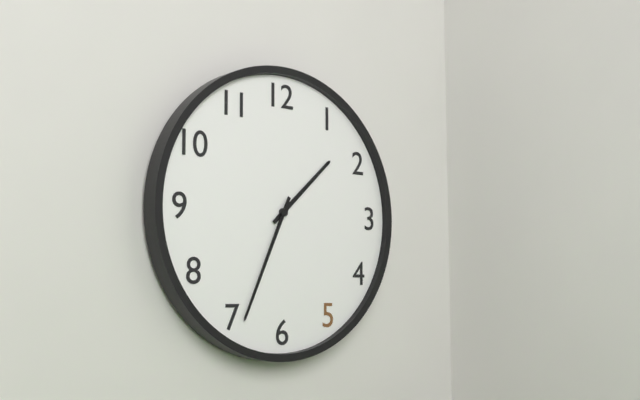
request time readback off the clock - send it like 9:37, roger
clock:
1:34
